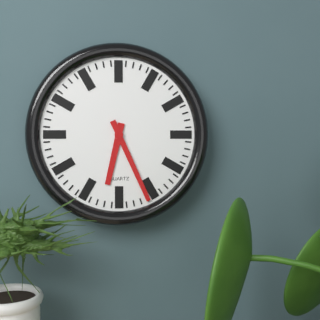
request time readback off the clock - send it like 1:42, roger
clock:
6:26
